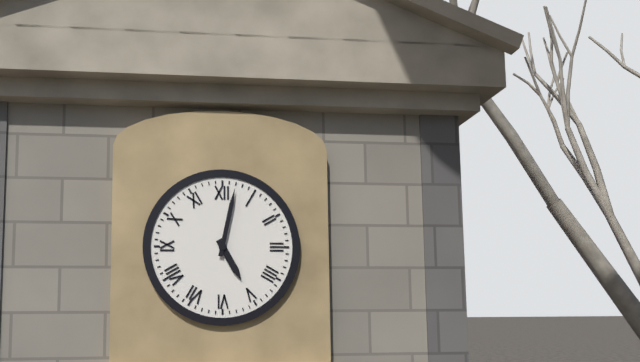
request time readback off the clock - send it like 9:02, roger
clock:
5:02
